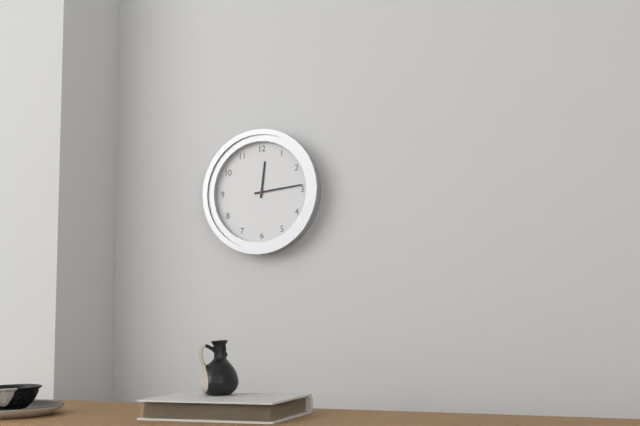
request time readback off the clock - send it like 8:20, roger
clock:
12:14
